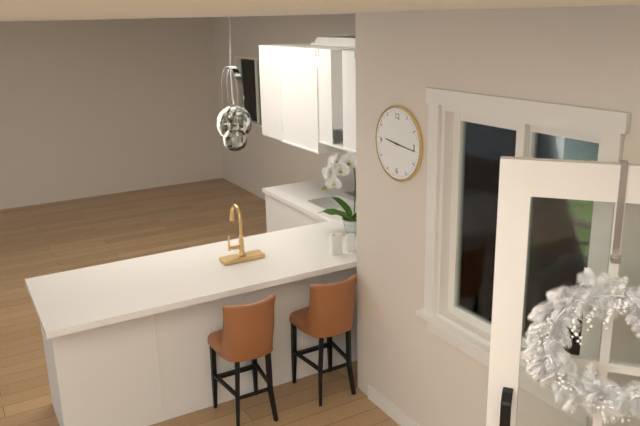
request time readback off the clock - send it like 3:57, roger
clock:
9:16
